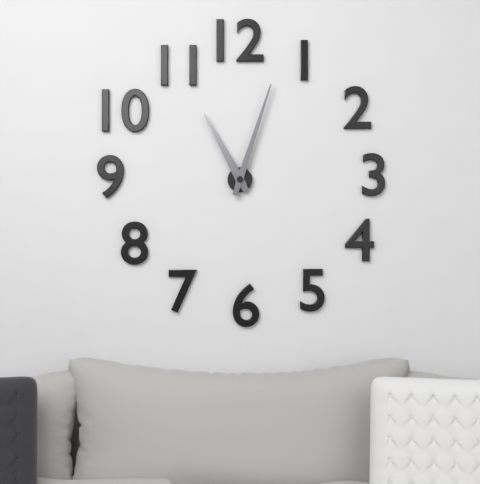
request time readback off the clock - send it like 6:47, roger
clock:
11:03
